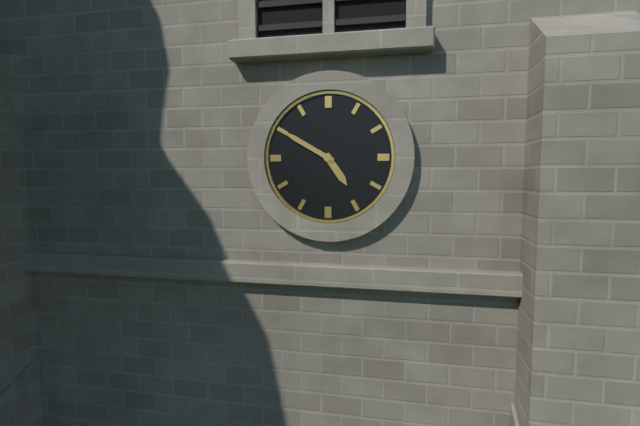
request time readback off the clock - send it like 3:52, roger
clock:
4:50
